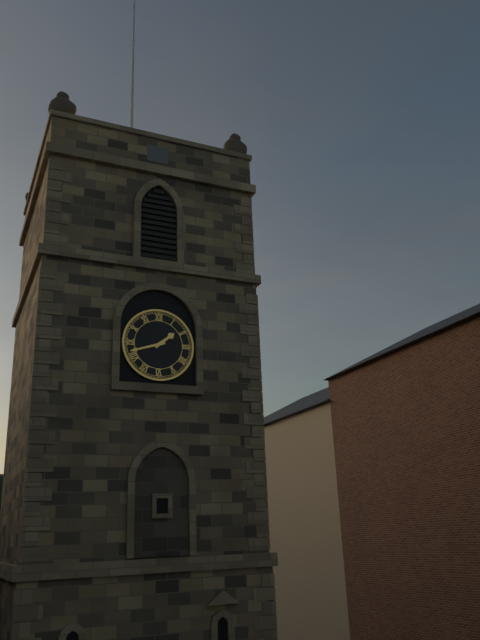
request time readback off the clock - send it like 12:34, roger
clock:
1:42
